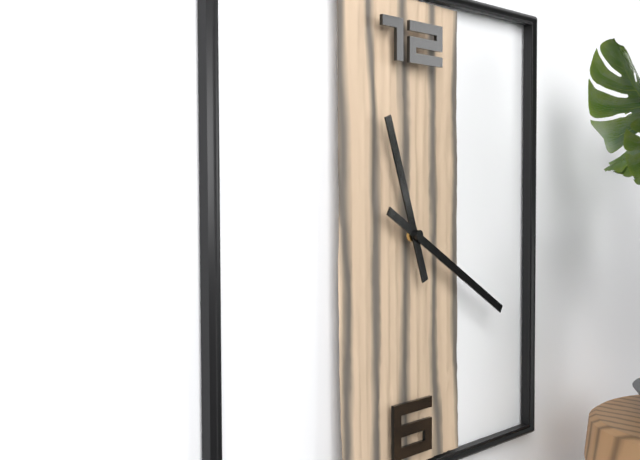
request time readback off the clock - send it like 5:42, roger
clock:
11:20
